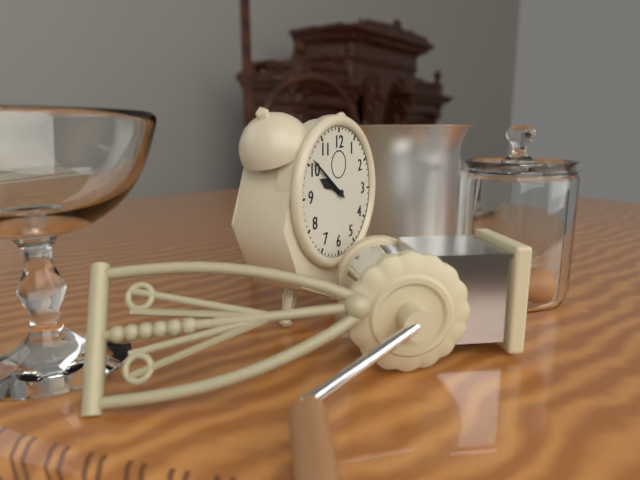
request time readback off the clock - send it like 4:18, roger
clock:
9:51
